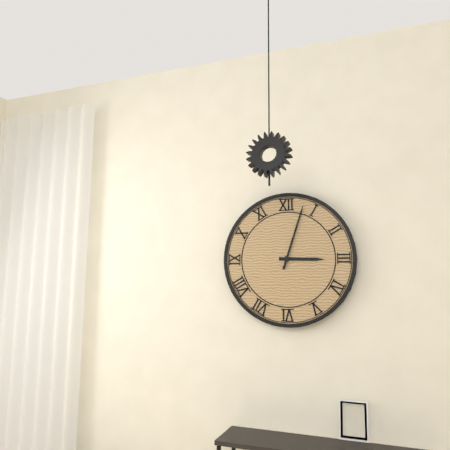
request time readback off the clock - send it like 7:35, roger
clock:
3:03
